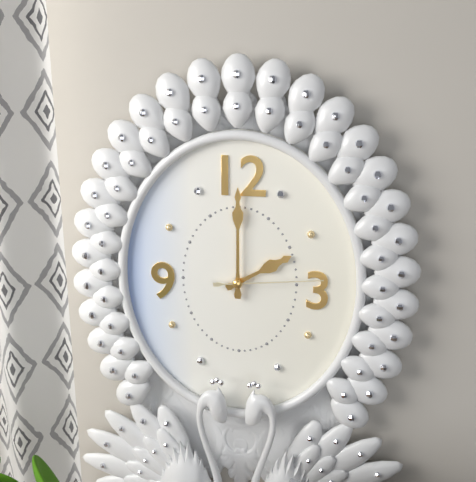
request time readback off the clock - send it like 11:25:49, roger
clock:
2:00:14
